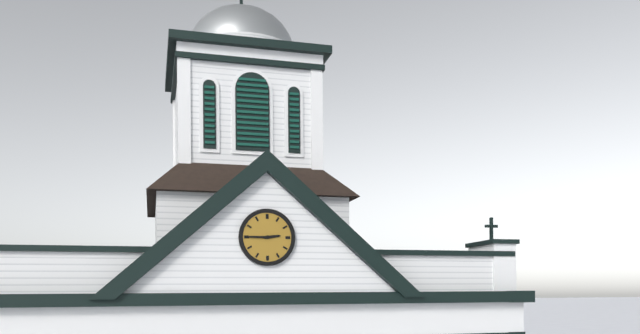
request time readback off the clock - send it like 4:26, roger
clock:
2:45
